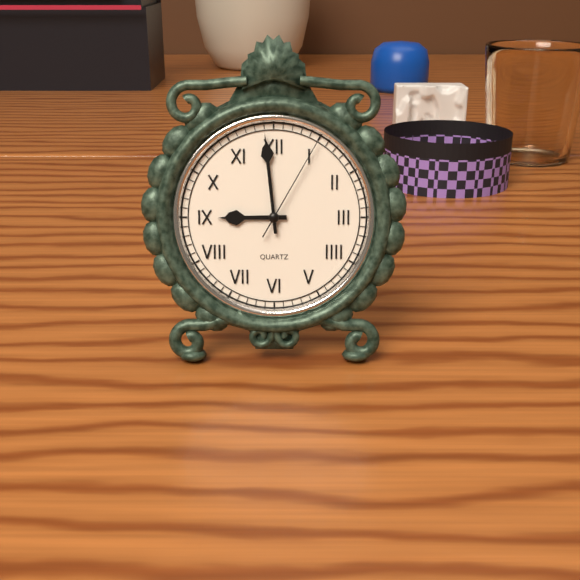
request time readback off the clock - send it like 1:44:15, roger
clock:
8:59:05
